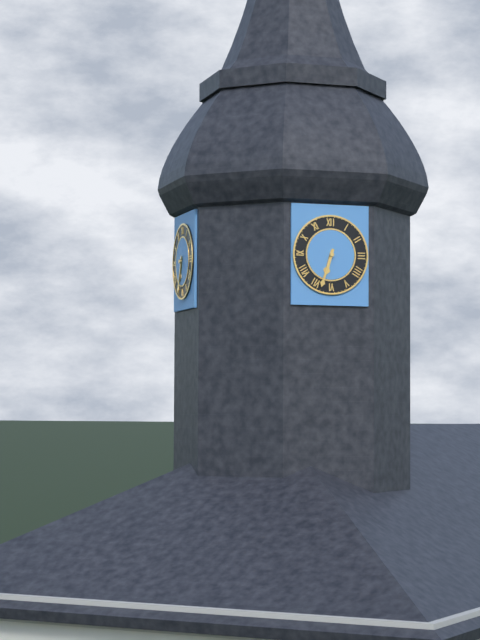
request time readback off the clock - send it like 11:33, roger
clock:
6:33
